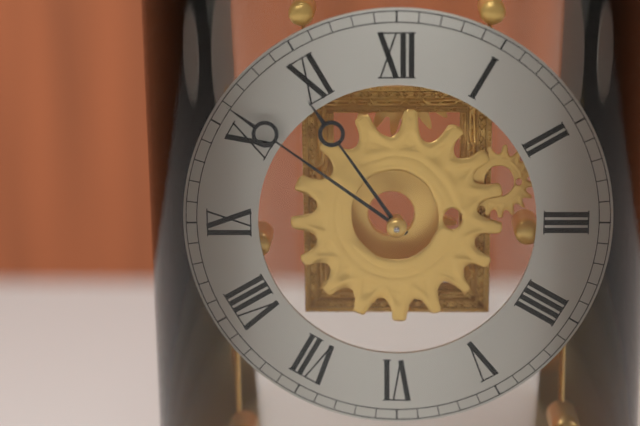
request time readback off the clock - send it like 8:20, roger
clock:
10:51
